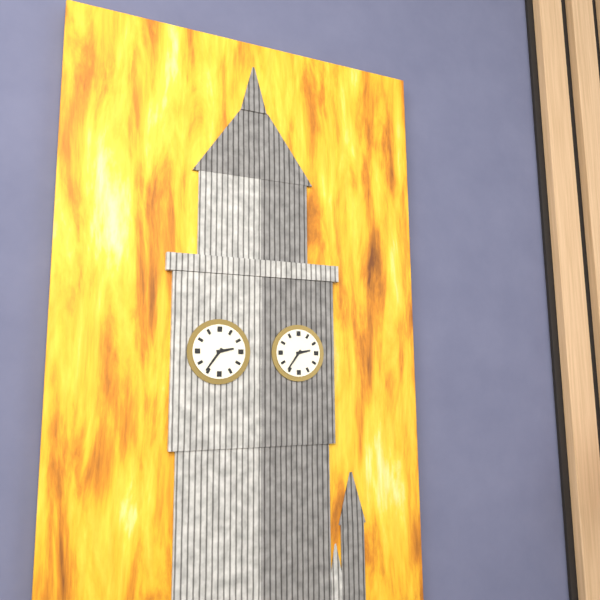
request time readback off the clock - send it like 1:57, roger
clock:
2:36
